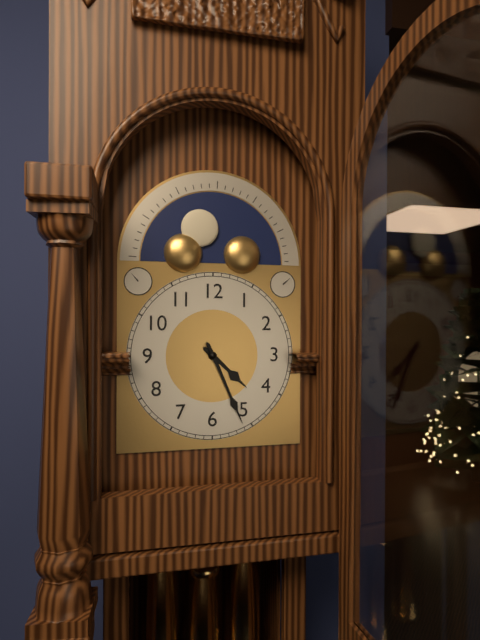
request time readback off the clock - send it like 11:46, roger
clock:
4:26
